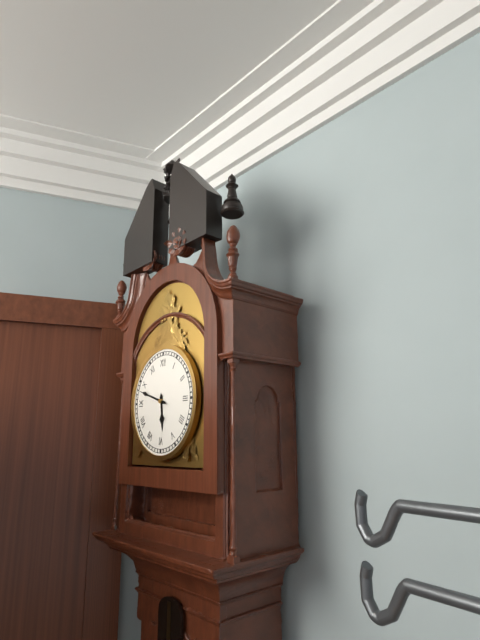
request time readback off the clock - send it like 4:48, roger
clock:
5:48
